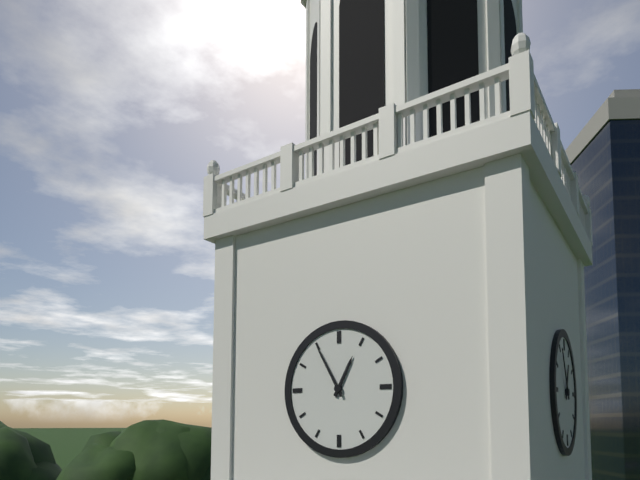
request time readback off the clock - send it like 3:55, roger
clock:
12:55
